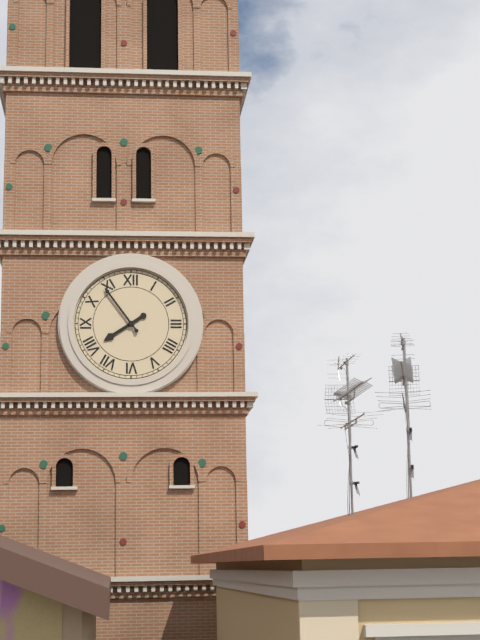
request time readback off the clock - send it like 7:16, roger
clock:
7:54
